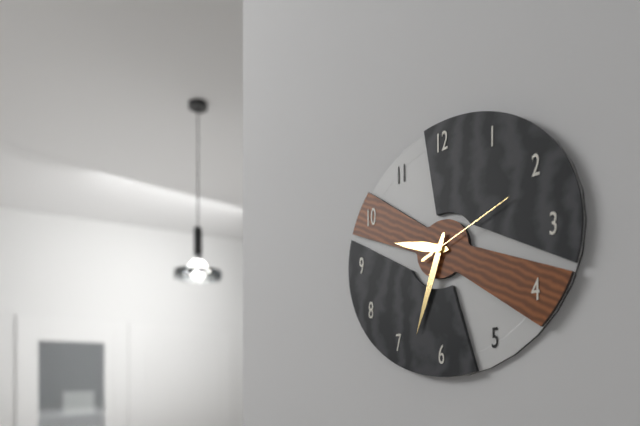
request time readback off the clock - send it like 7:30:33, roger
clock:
9:33:11
